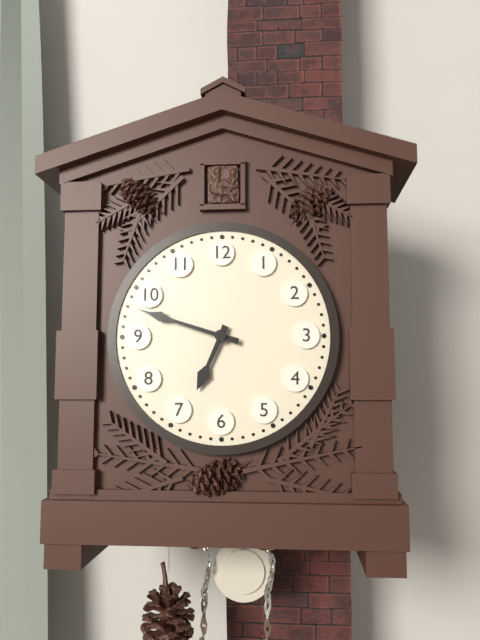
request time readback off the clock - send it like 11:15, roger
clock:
6:48
